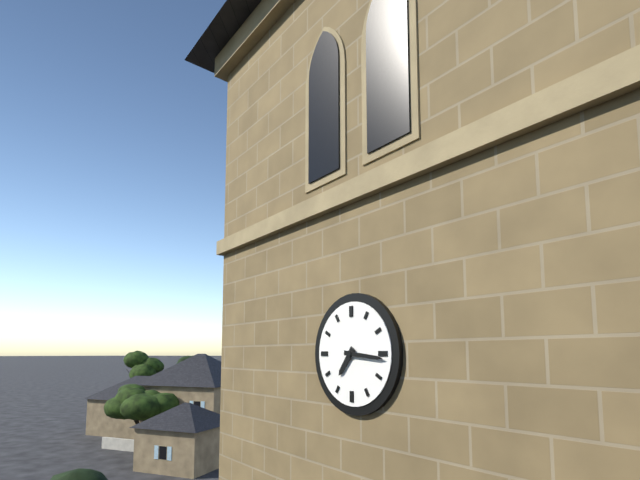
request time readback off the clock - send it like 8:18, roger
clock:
7:16
